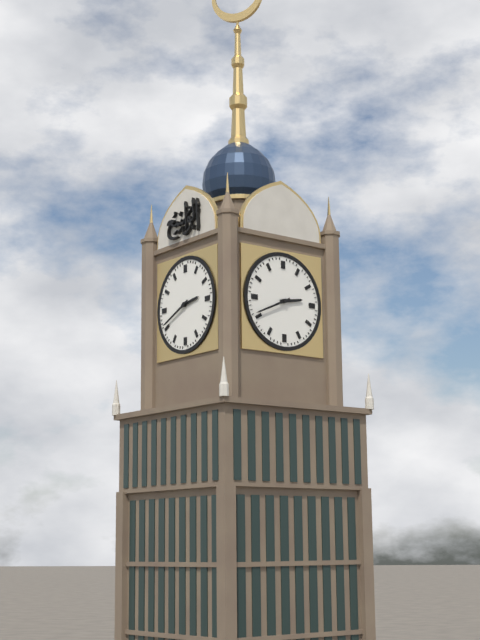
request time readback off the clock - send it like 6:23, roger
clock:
2:41
